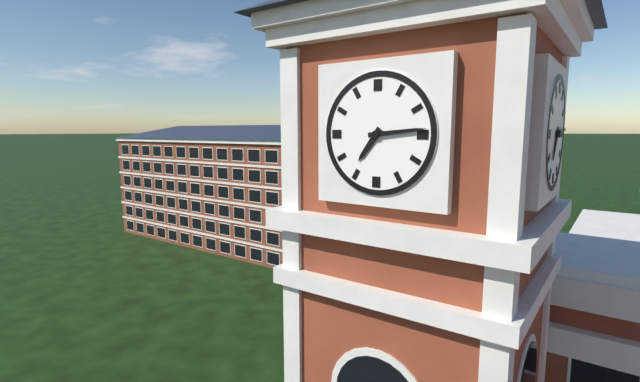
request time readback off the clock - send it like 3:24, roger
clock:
7:14
